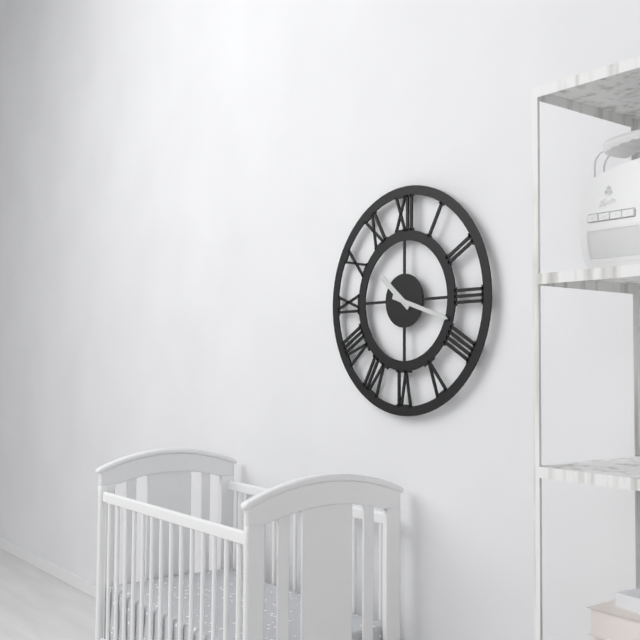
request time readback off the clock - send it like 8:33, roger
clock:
10:18
